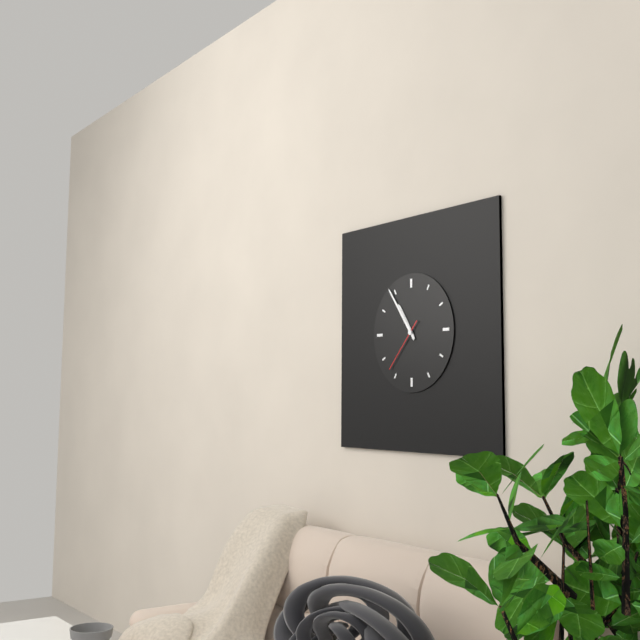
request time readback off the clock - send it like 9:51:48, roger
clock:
10:54:37
